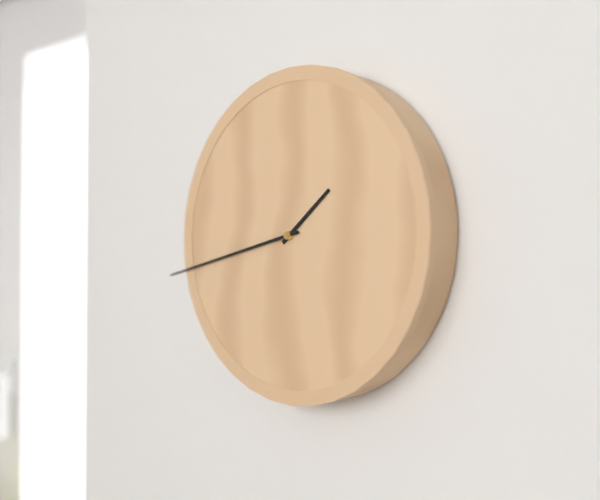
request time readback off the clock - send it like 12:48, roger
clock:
1:43
